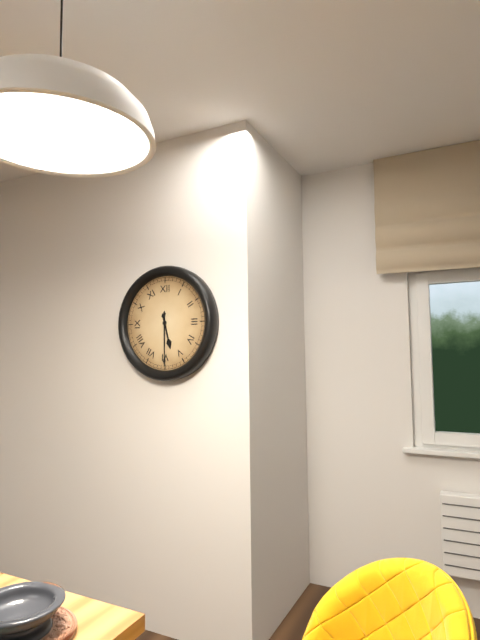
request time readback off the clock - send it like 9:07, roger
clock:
5:30
